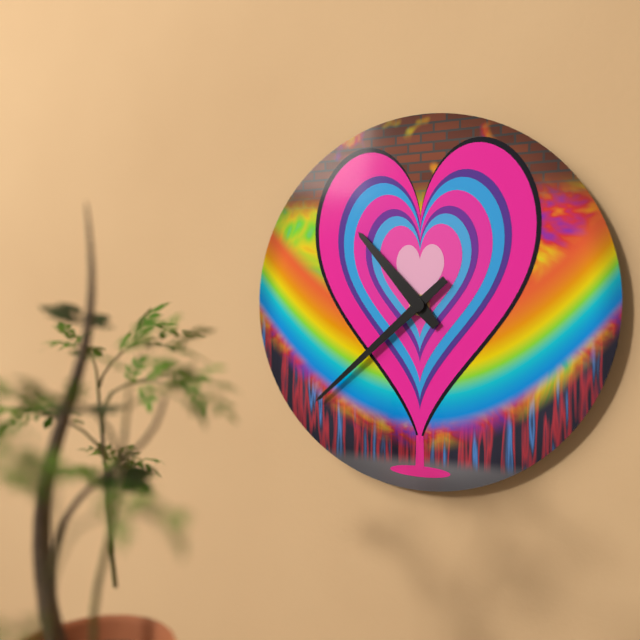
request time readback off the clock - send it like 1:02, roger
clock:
10:38
